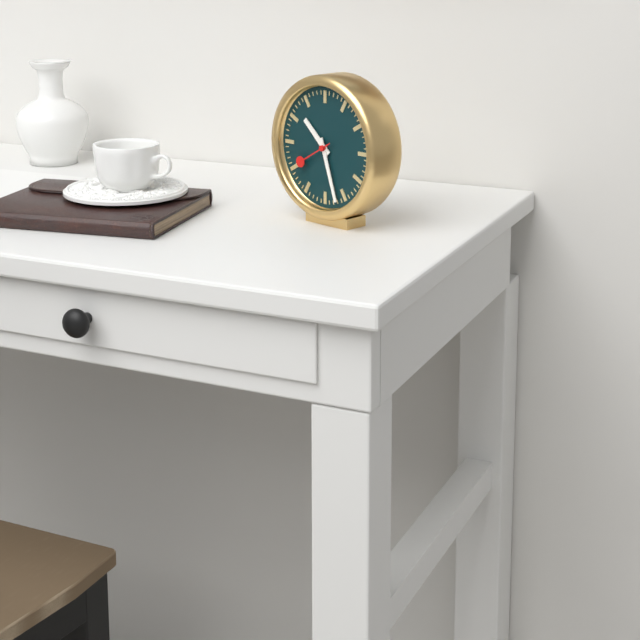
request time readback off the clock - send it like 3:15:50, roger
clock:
10:27:40
